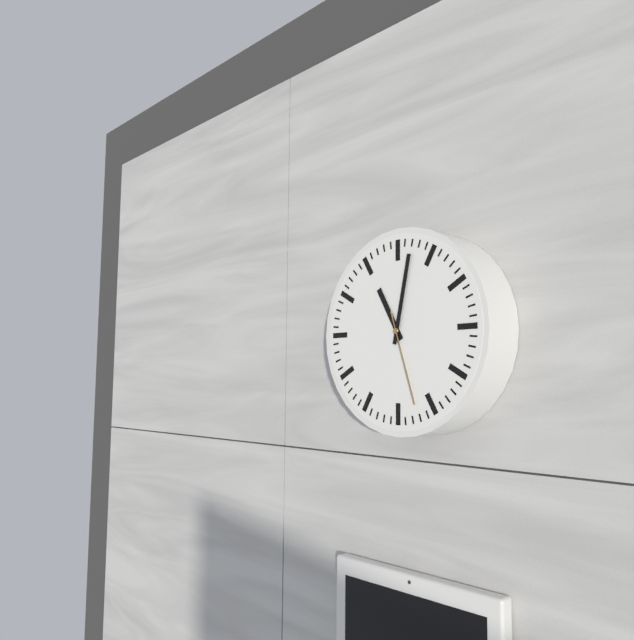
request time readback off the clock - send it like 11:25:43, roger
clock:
11:02:27
